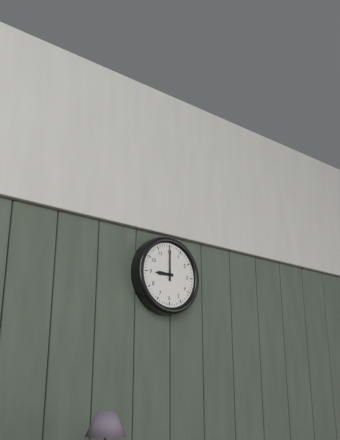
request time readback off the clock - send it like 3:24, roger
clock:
9:00
